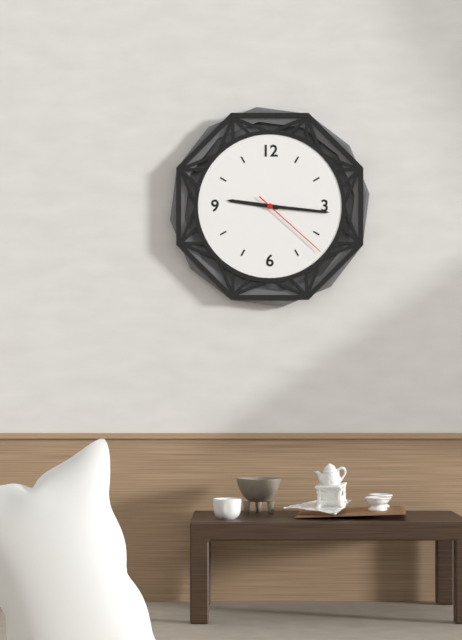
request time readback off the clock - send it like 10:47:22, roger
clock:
9:16:22
